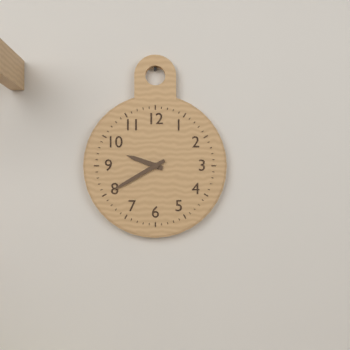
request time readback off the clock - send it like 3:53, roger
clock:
9:40
